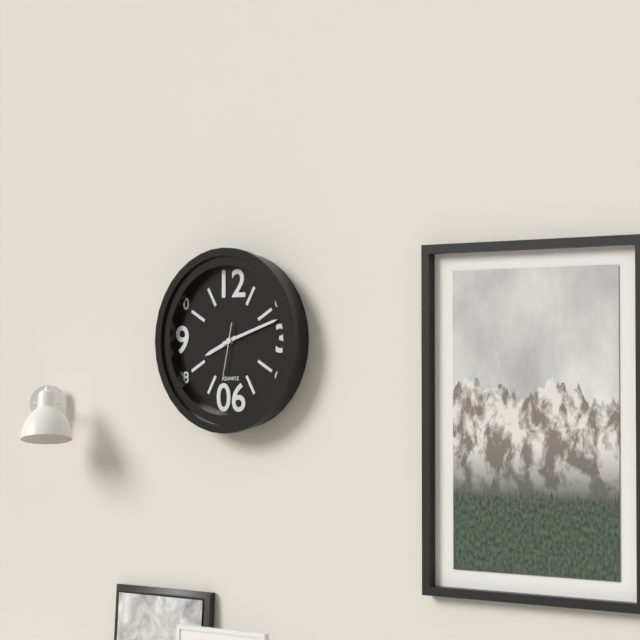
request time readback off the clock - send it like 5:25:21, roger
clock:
8:12:32
